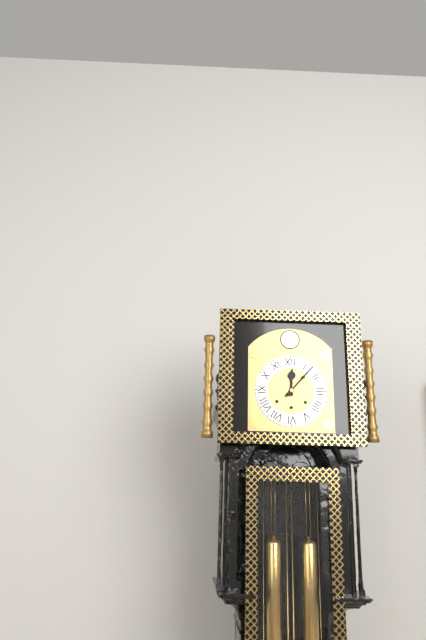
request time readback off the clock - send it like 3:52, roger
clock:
12:07
